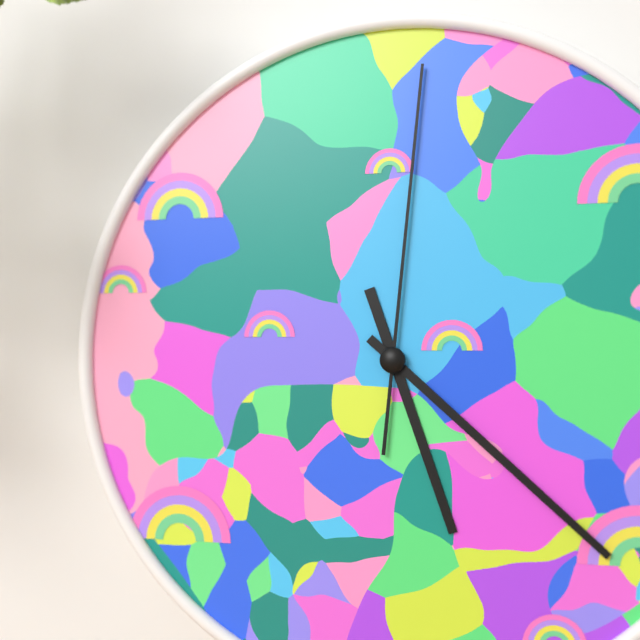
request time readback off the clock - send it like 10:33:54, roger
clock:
5:22:01
